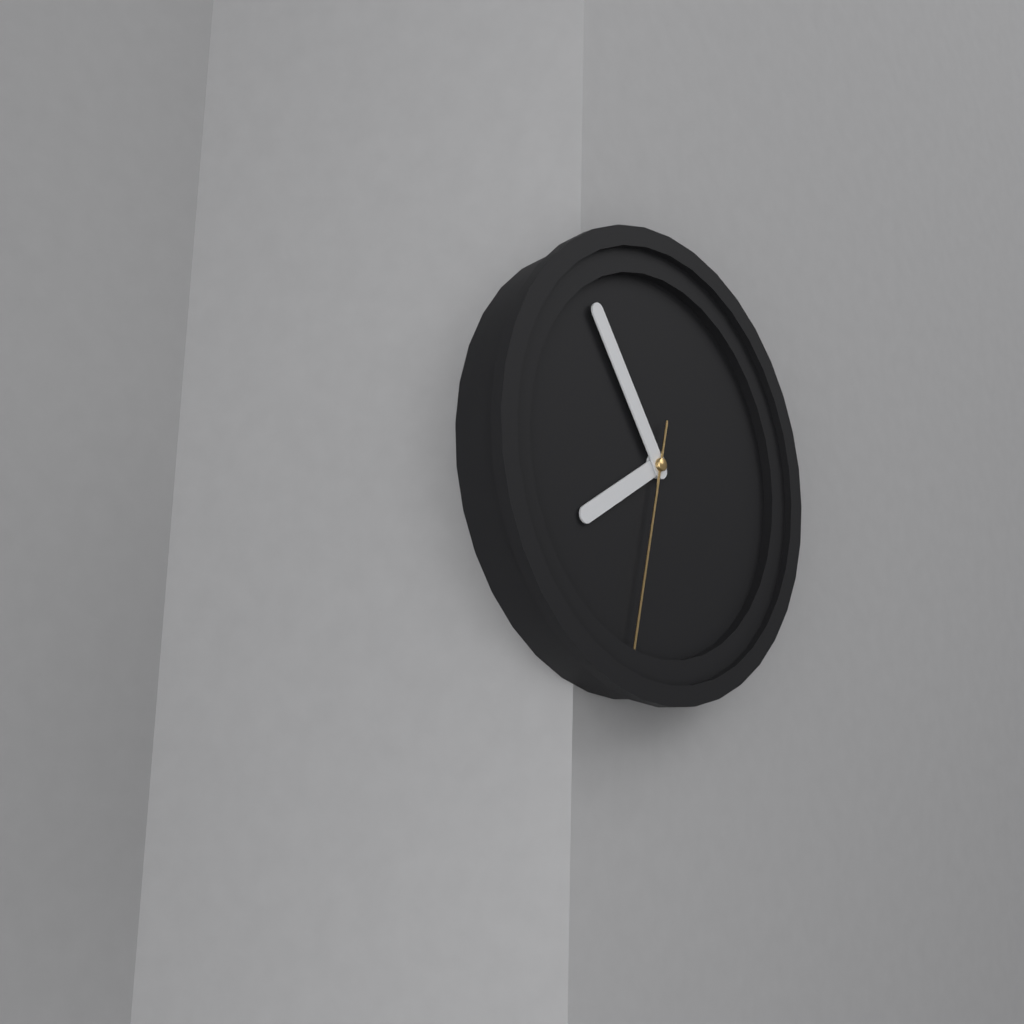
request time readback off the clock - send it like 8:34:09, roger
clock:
7:54:32
